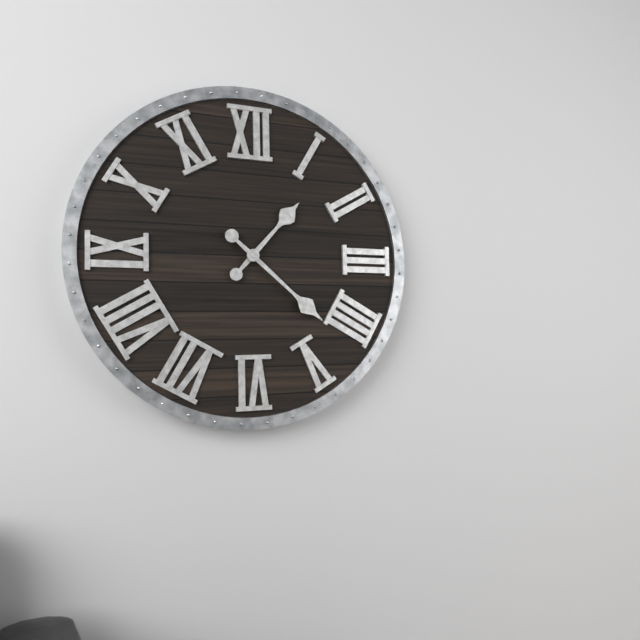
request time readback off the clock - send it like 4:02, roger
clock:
1:22
